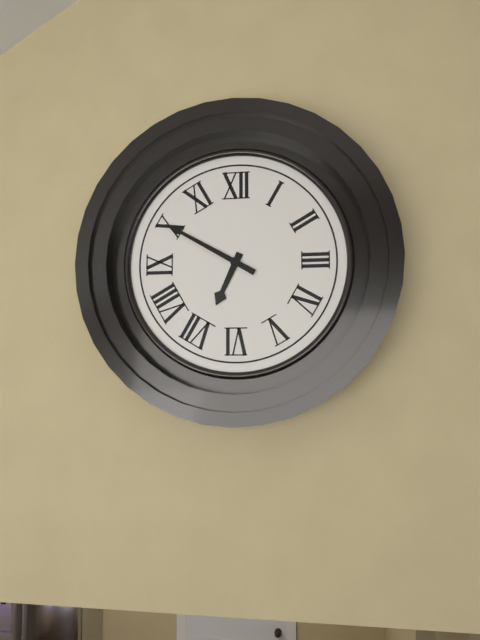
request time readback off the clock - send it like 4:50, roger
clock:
6:50
